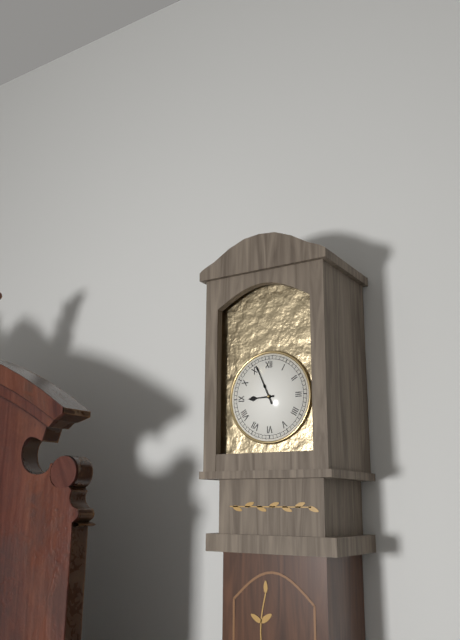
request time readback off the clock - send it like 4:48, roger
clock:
8:56
